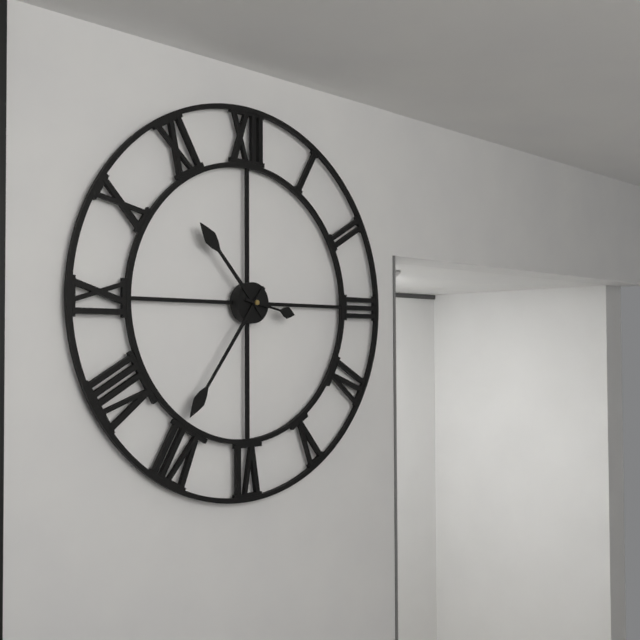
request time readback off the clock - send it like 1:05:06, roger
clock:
10:36:17
